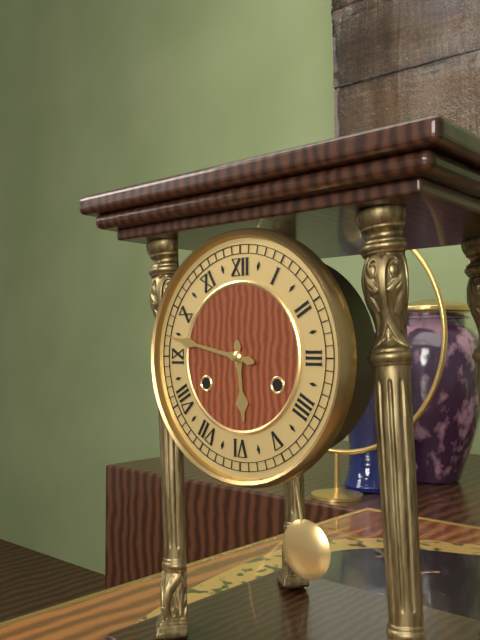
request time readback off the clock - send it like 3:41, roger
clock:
5:47
